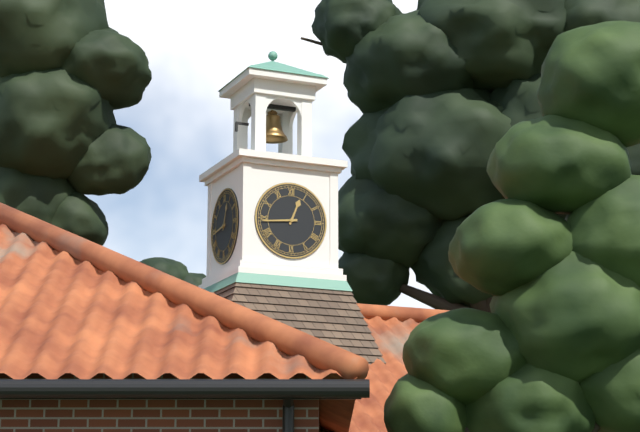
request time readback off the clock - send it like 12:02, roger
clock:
12:44
